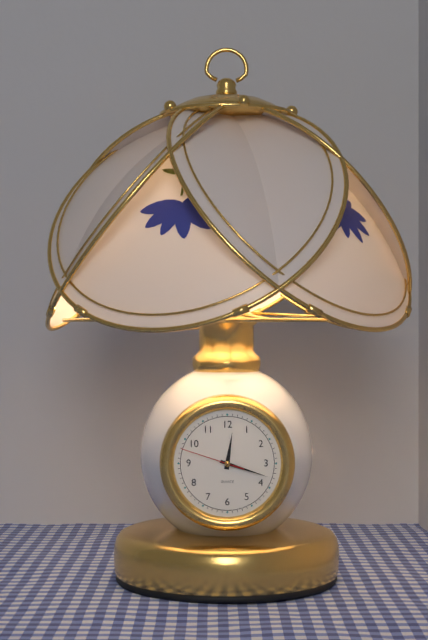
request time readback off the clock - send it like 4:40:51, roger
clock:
12:18:48
